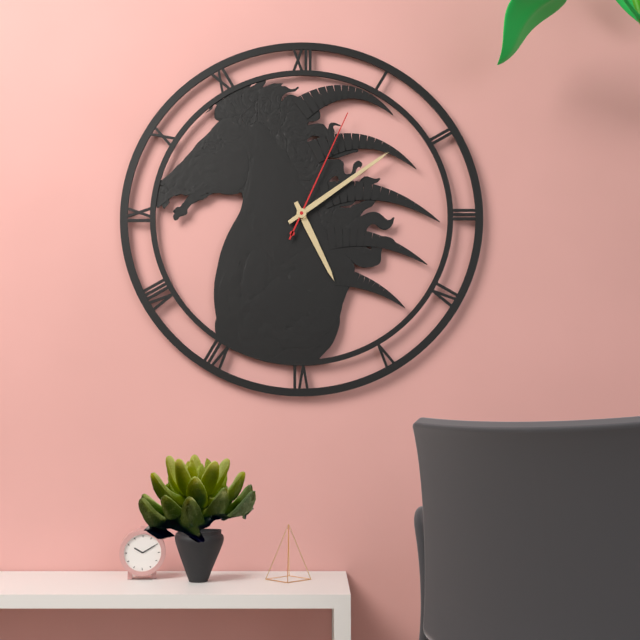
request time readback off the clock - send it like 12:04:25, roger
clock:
5:09:04
